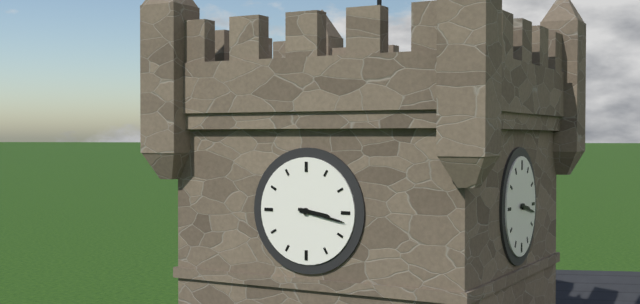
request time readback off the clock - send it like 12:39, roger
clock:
3:17
